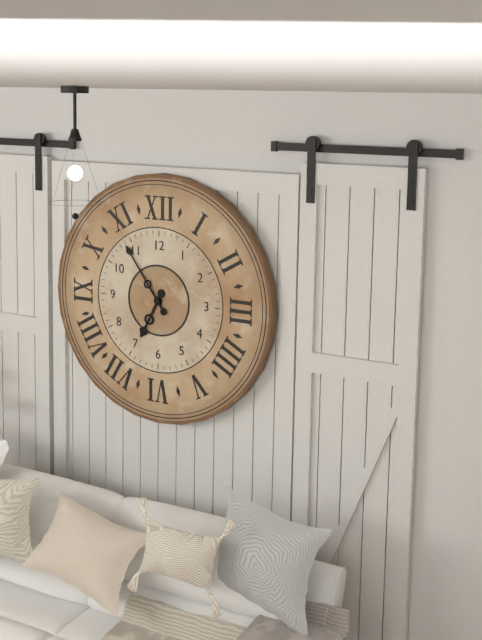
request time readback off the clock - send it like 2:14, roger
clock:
6:54
